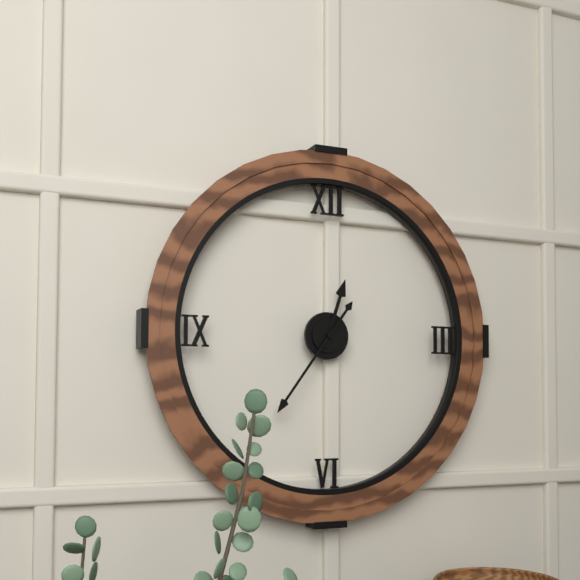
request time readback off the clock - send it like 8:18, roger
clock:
12:36
